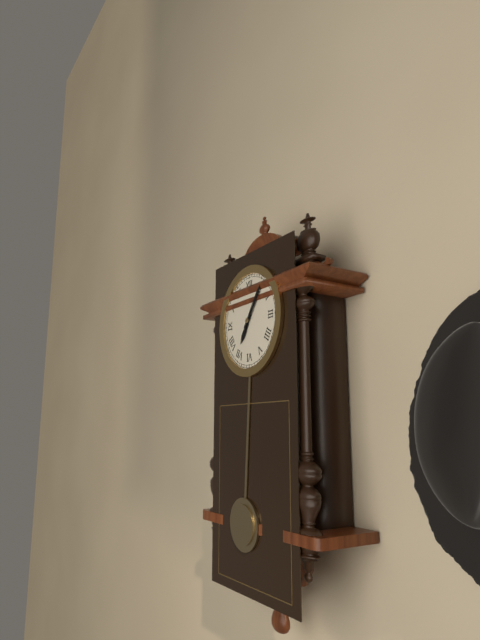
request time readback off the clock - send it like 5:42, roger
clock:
7:06
